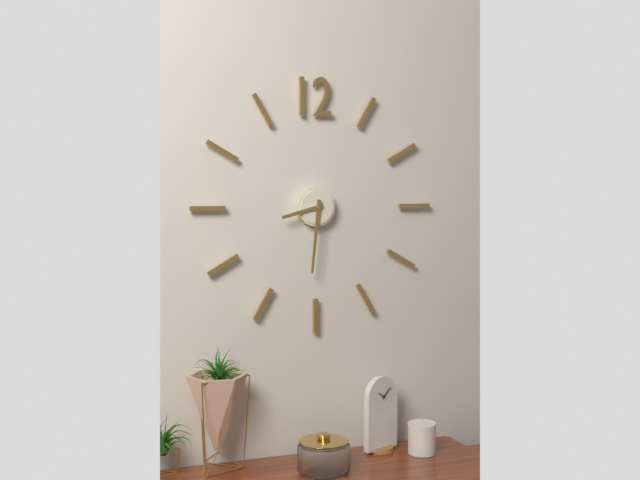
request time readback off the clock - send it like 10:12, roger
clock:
8:31
